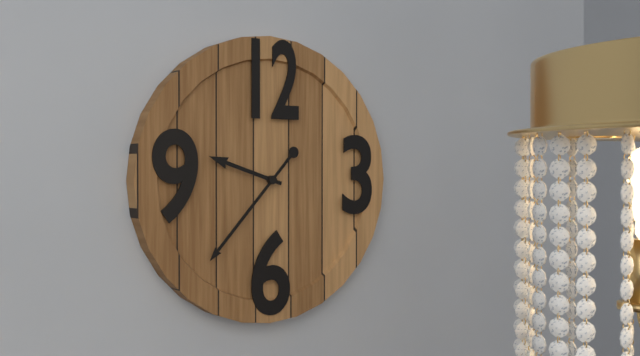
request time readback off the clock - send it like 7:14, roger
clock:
9:37
